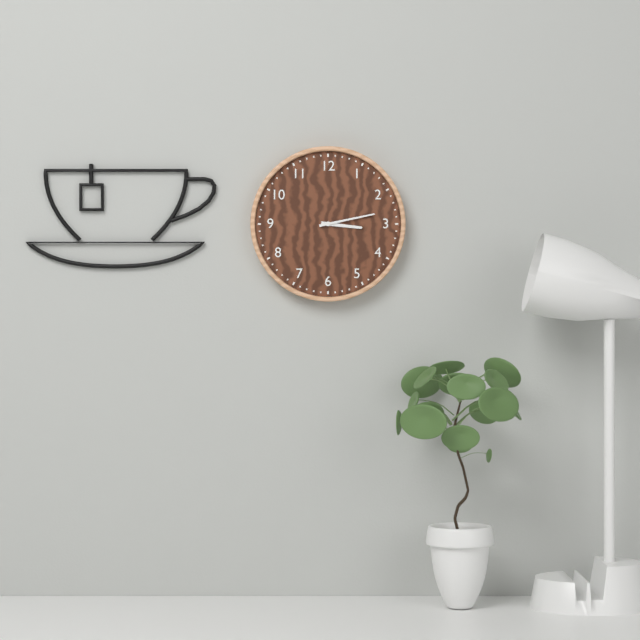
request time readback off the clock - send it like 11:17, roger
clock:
3:13
